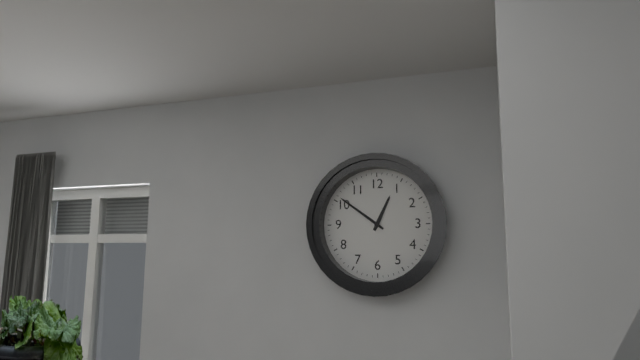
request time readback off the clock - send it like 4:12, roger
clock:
12:51
